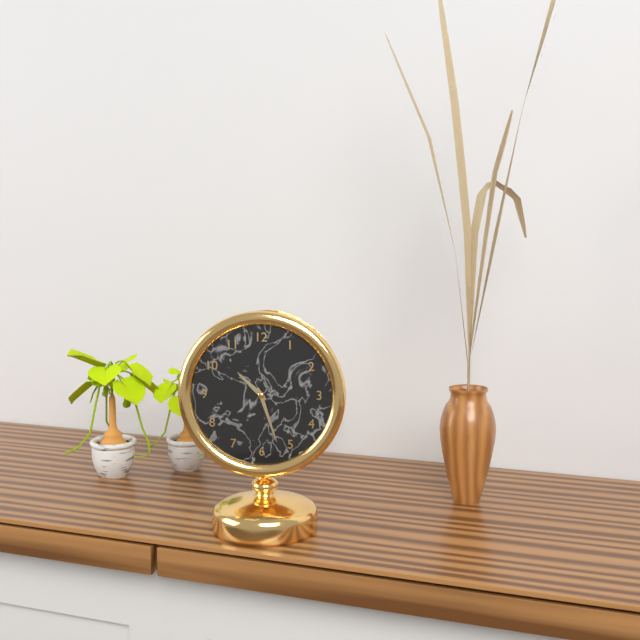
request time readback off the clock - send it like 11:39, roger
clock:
10:27
